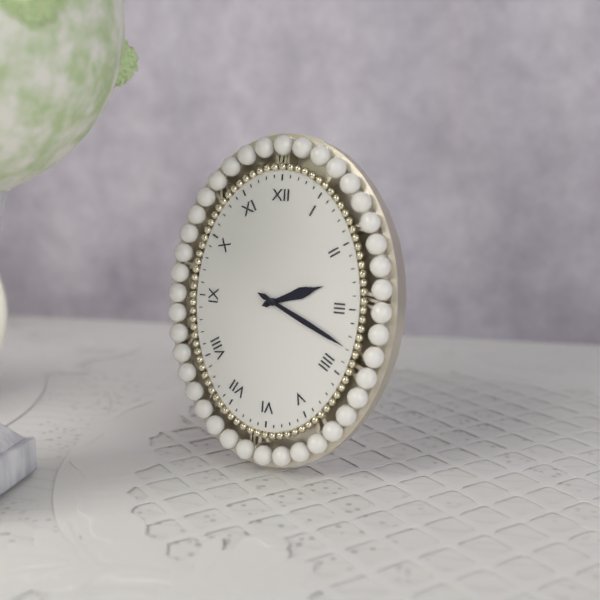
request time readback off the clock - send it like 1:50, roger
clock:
2:19
